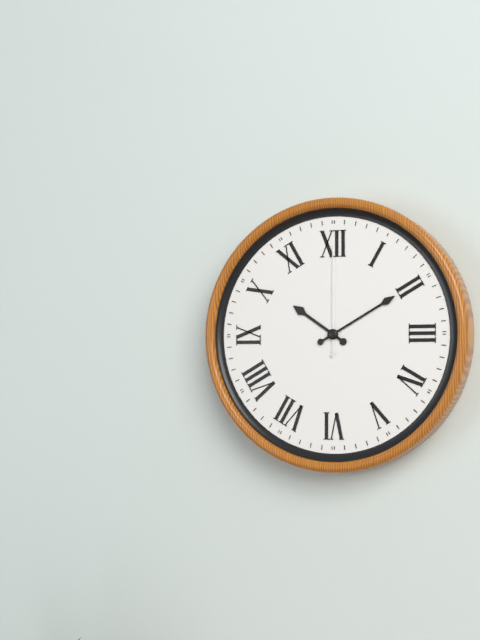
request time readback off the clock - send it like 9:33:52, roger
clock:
10:10:00
